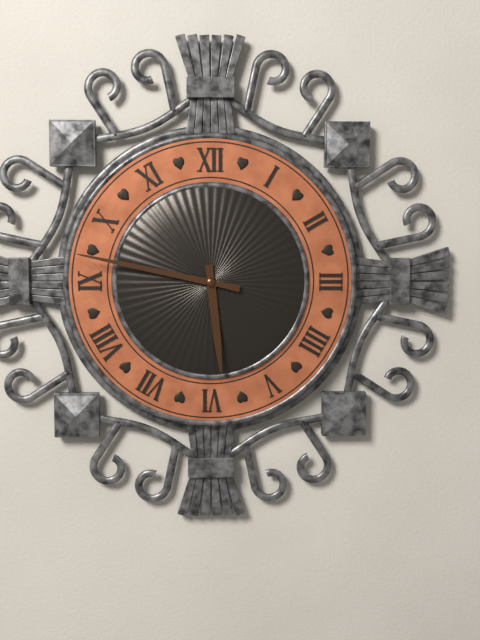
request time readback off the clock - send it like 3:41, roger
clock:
5:47
